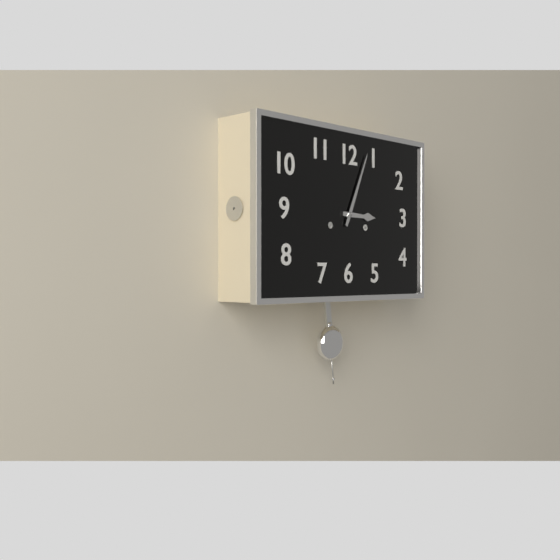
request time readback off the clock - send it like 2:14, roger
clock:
3:04
